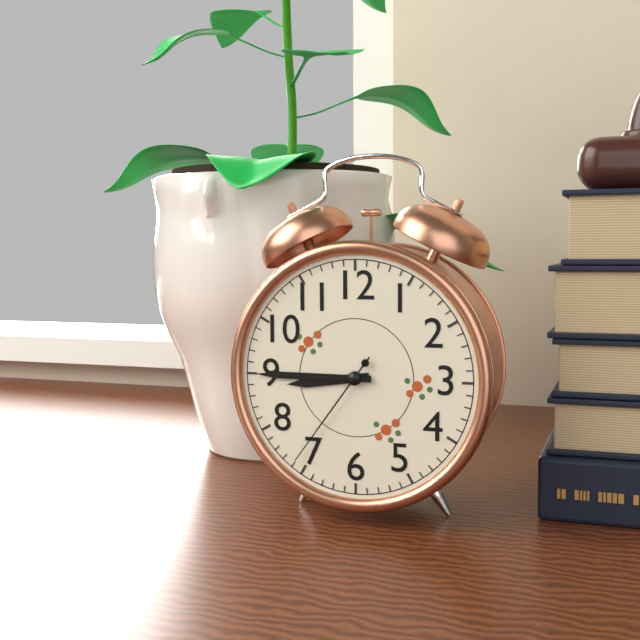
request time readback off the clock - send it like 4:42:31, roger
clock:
8:45:36
